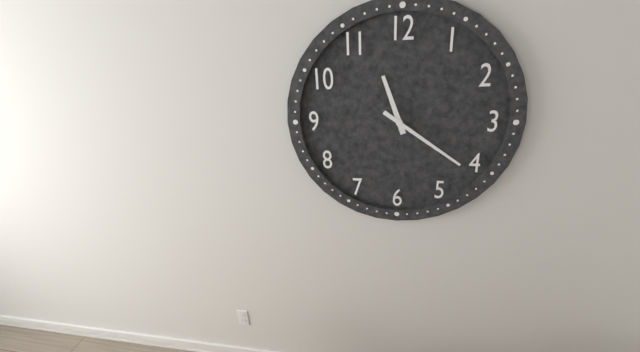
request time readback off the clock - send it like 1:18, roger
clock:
11:21
